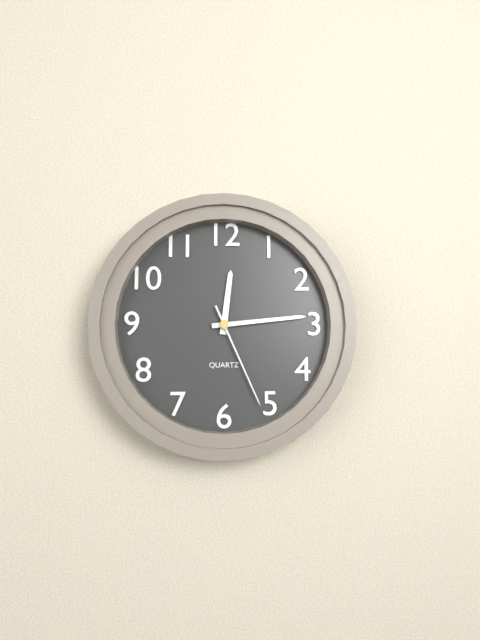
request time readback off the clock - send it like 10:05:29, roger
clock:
12:14:26
